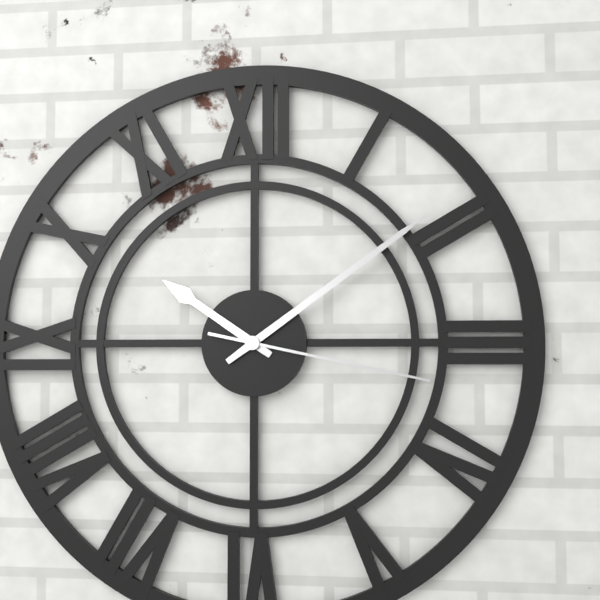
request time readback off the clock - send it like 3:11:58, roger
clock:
10:09:17
